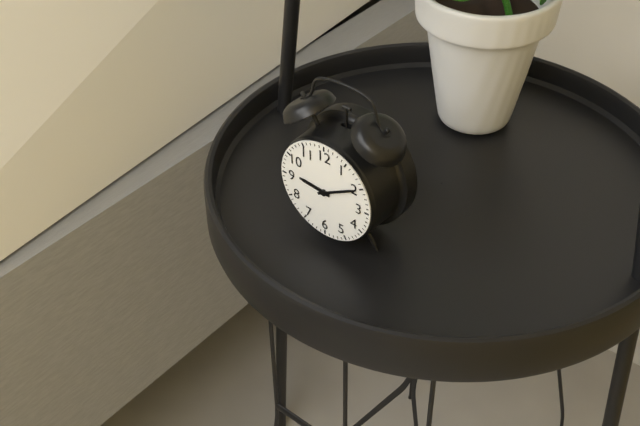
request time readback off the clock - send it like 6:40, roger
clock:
9:10
